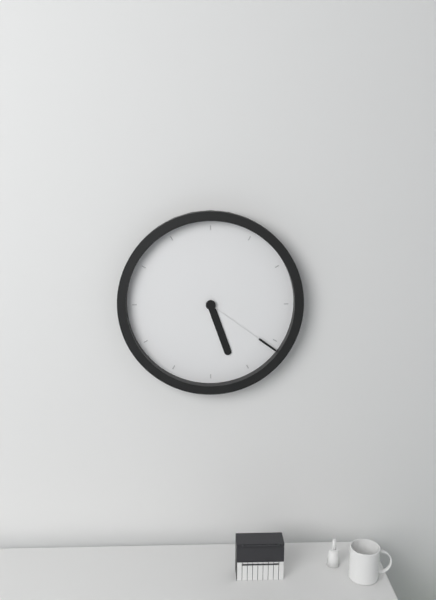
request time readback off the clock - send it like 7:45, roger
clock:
5:21
